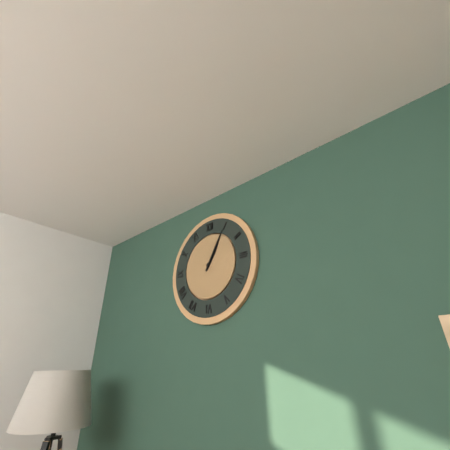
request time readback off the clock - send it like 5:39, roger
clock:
1:05
